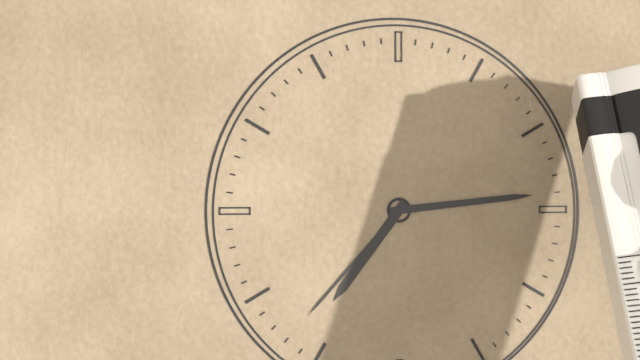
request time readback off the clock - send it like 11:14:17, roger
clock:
7:14:37
